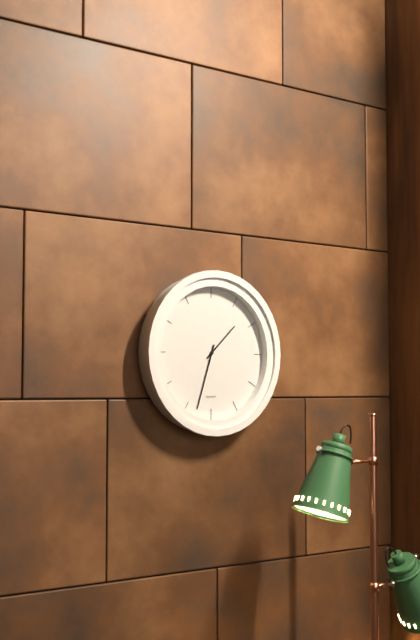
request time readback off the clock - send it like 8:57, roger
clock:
1:33
